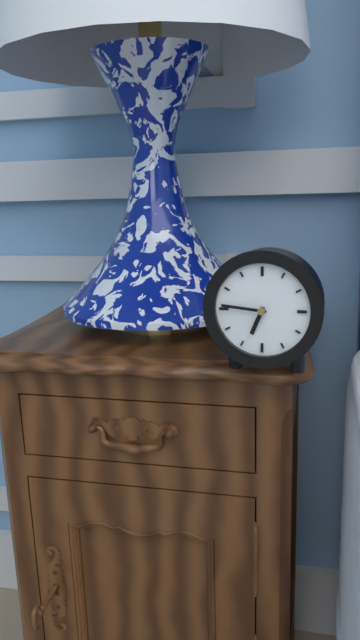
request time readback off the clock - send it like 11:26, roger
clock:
6:46
